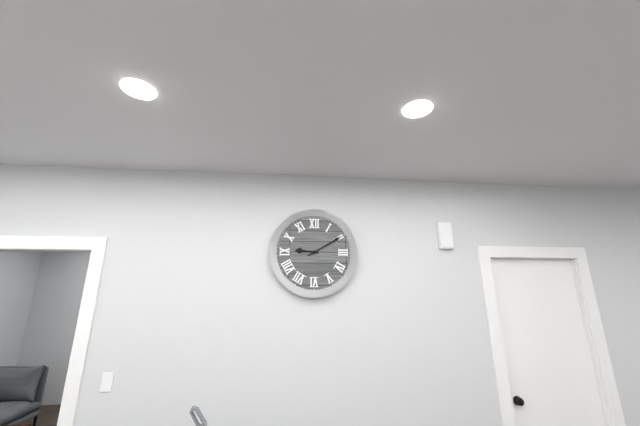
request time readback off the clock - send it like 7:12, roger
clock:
9:10
